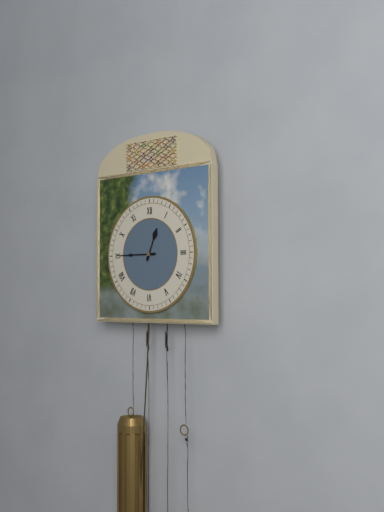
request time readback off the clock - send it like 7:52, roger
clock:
12:45
